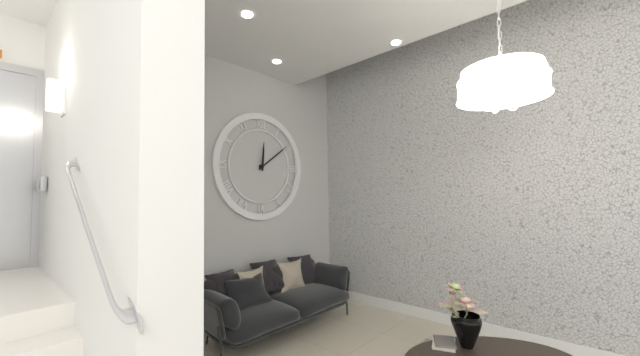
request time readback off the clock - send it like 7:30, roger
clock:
12:09
